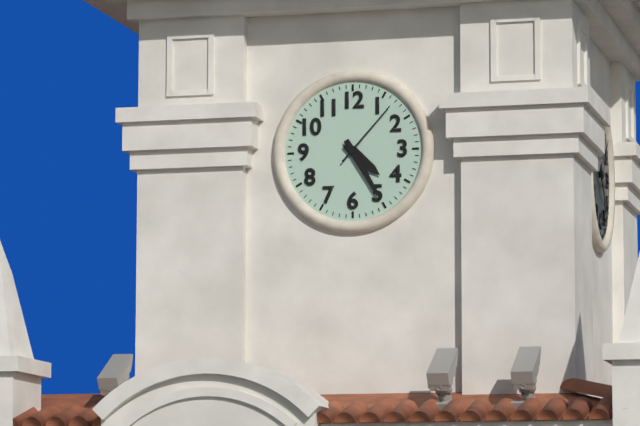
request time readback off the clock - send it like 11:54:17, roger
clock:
4:25:07
